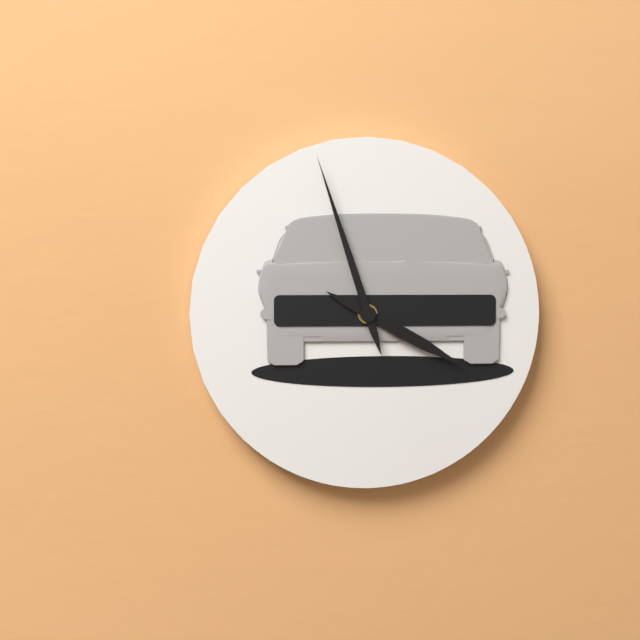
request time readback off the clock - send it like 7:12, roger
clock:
3:57
